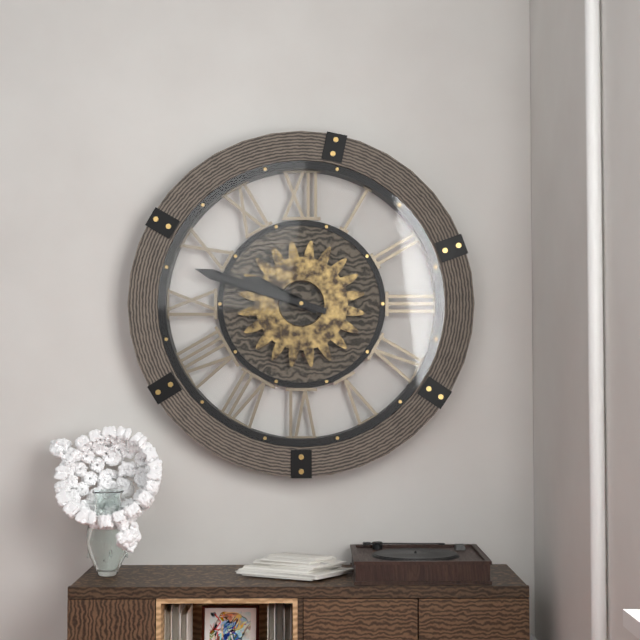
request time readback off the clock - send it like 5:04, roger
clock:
9:48
